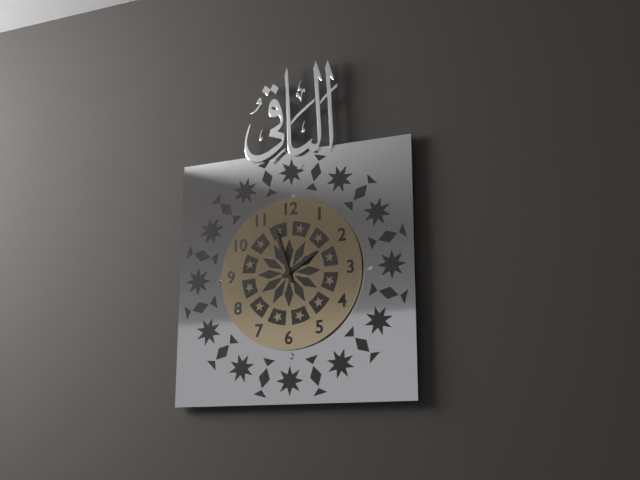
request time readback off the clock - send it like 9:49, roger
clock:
1:57
